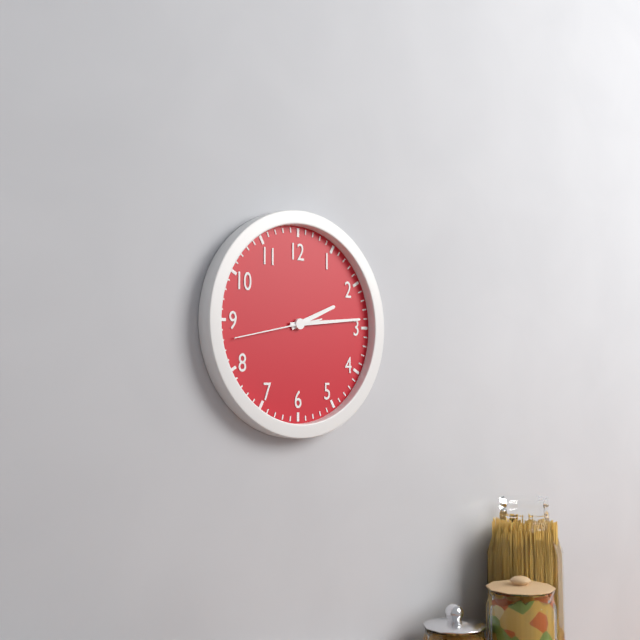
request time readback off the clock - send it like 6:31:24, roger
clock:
2:14:43
